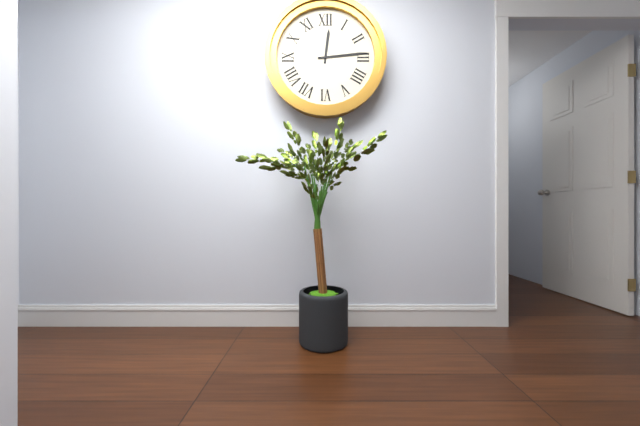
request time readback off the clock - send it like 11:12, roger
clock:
12:14
